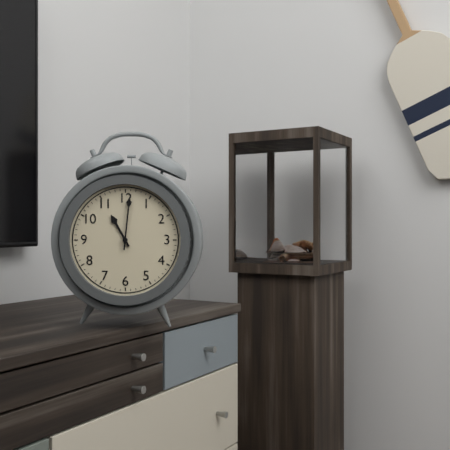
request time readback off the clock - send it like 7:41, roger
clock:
11:01
